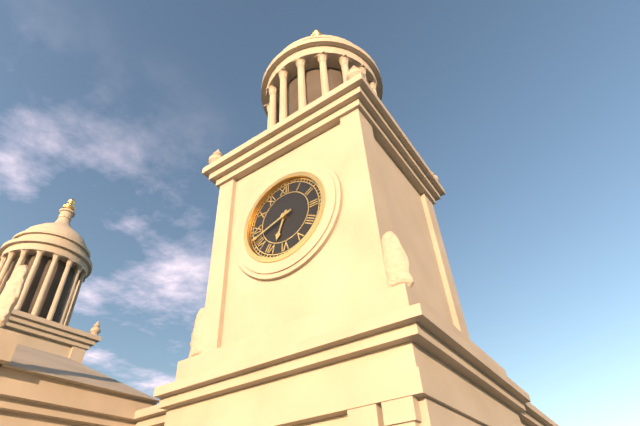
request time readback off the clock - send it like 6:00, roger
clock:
6:42
